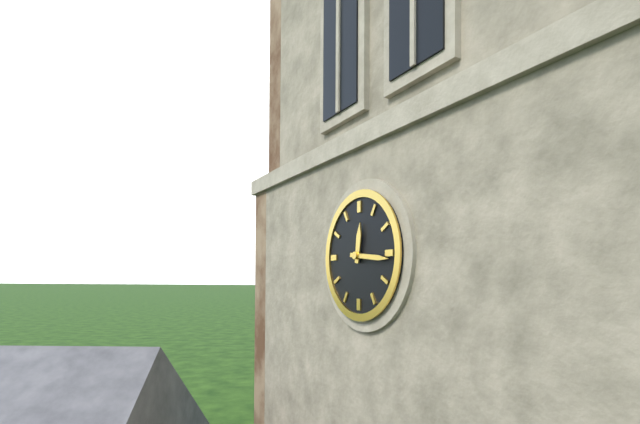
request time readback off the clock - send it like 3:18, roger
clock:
12:16
